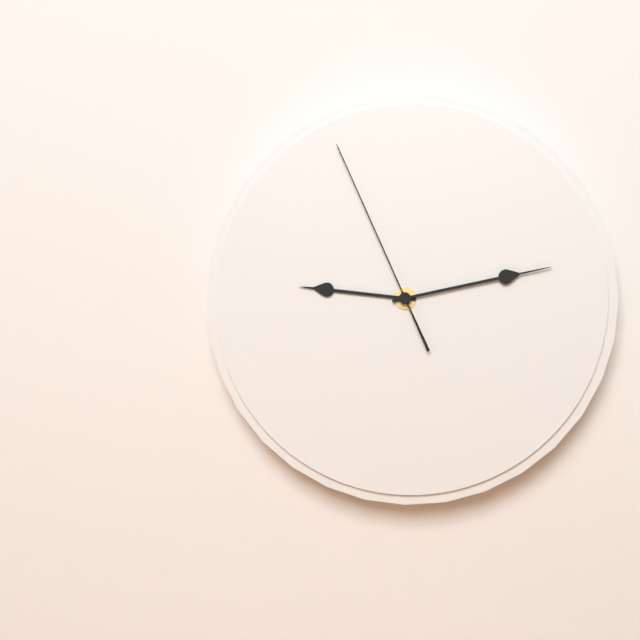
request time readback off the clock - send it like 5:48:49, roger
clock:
9:13:56
